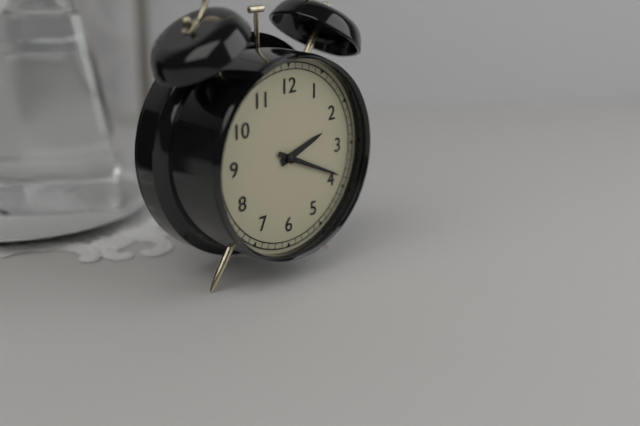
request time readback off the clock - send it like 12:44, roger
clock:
2:19
